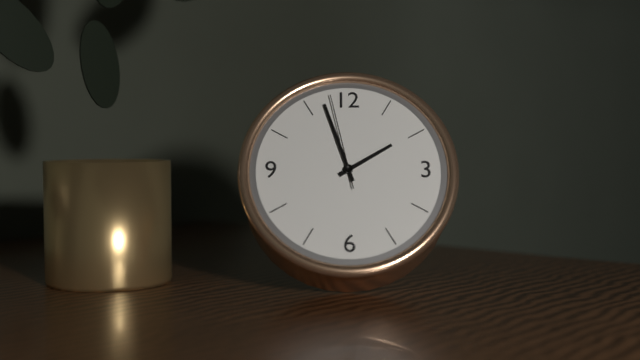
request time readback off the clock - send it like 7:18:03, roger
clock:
1:57:58
